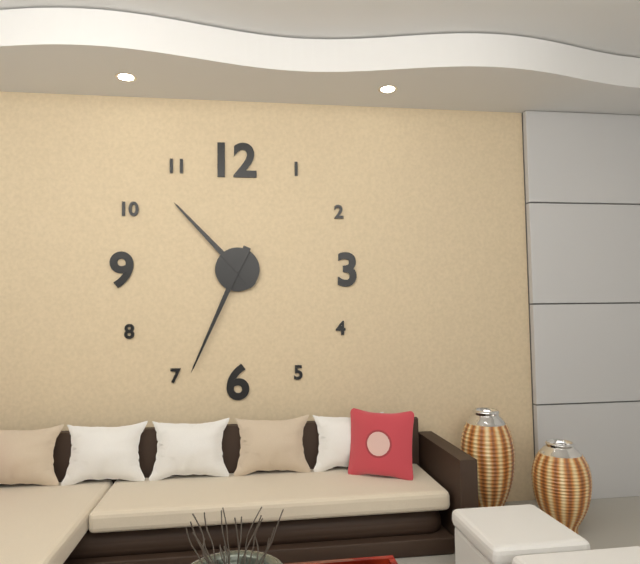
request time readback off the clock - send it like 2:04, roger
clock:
10:34
